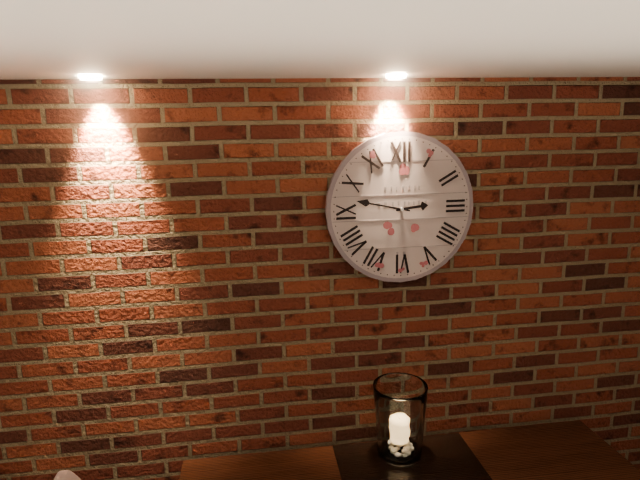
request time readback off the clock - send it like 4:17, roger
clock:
2:47
